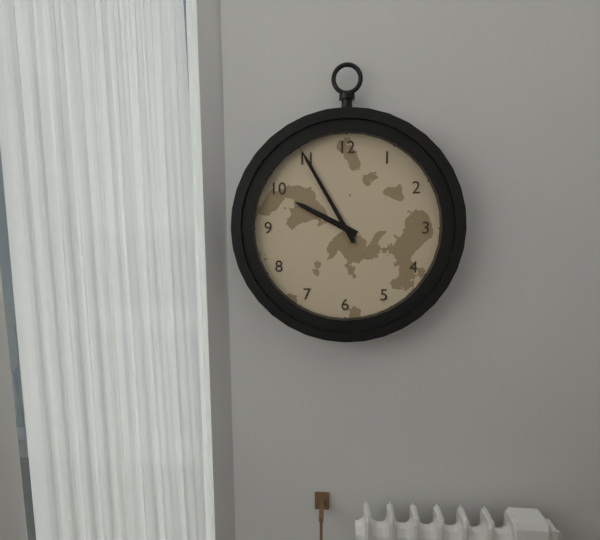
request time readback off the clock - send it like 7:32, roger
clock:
9:55
